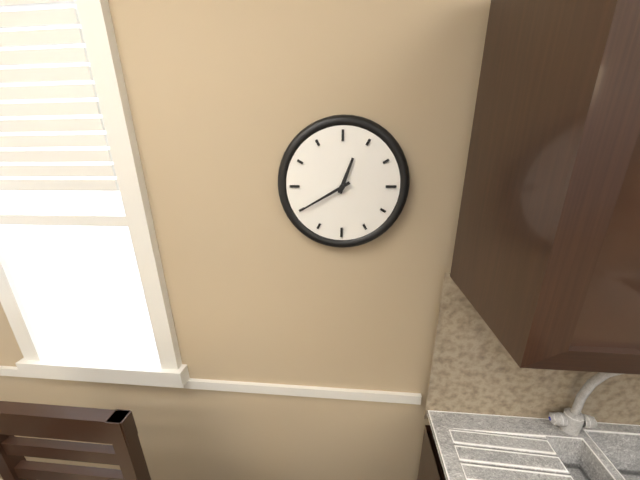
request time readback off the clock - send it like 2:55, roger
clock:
12:40
